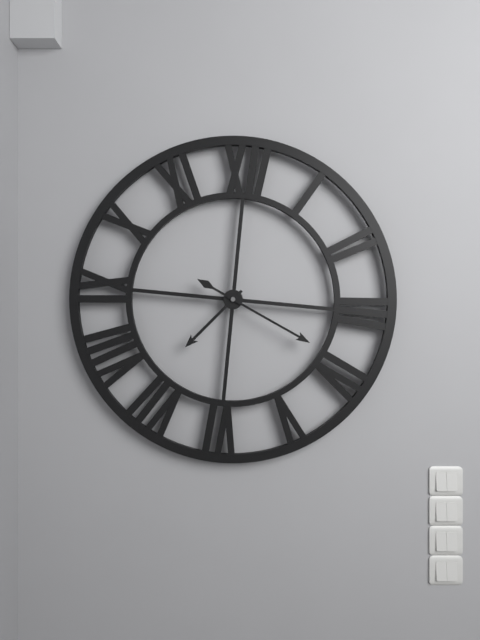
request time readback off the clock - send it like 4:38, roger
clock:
7:19
